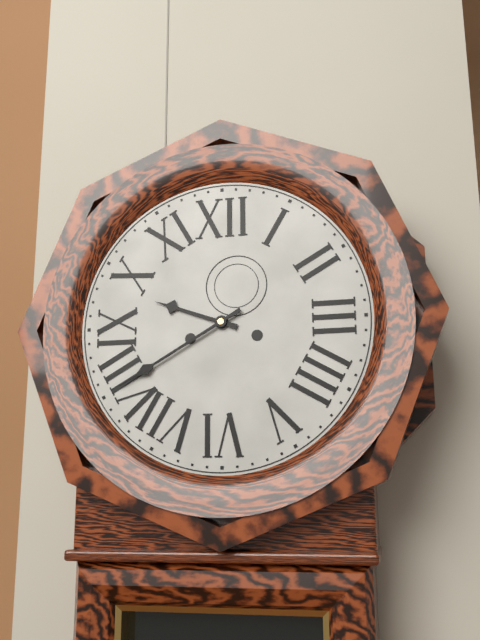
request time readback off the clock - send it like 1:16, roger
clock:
9:40
